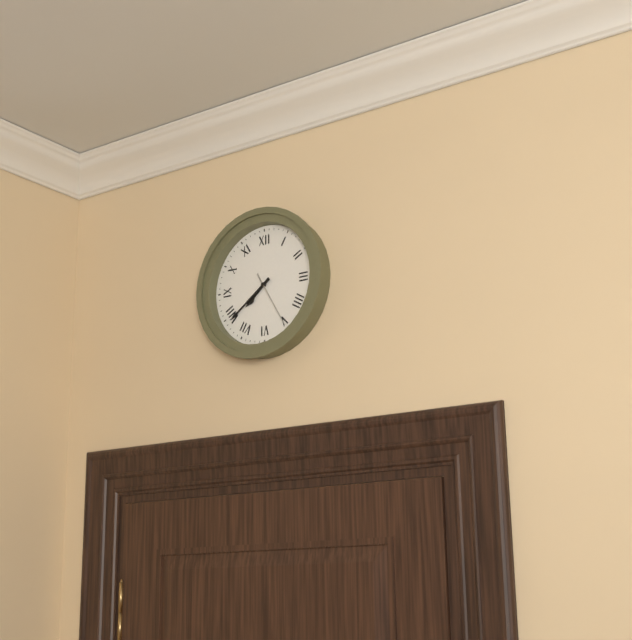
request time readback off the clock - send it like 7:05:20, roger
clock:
7:39:25
